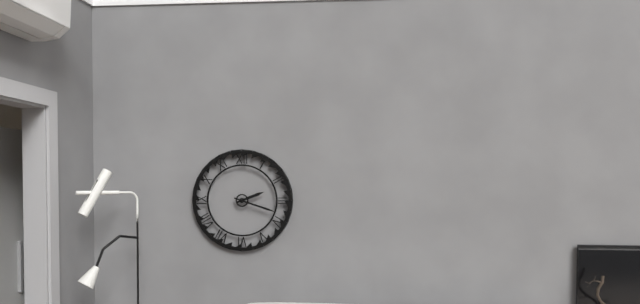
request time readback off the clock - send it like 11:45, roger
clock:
2:18
